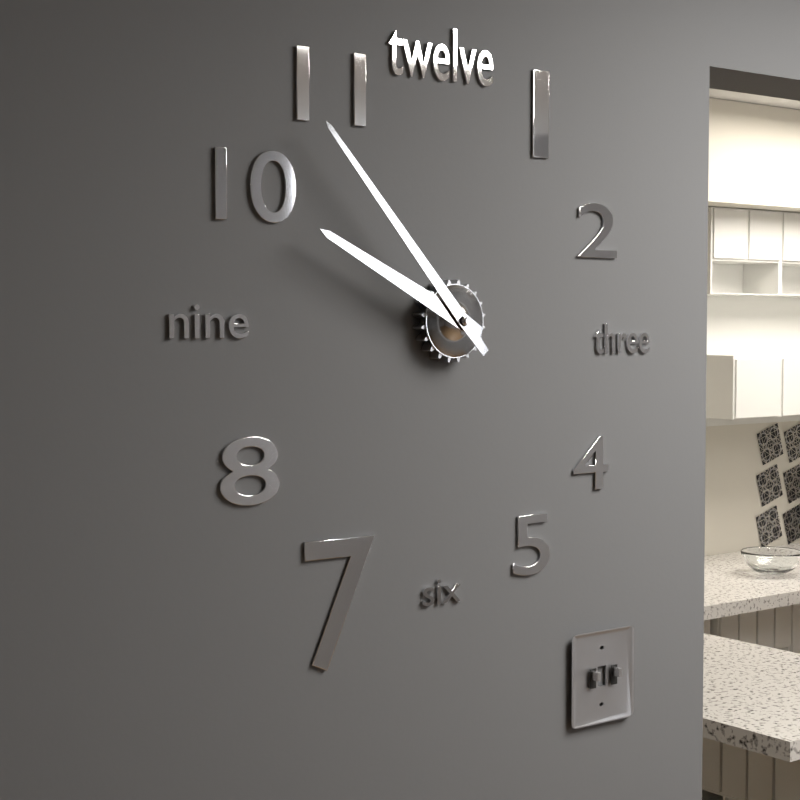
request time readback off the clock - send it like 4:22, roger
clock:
9:53
